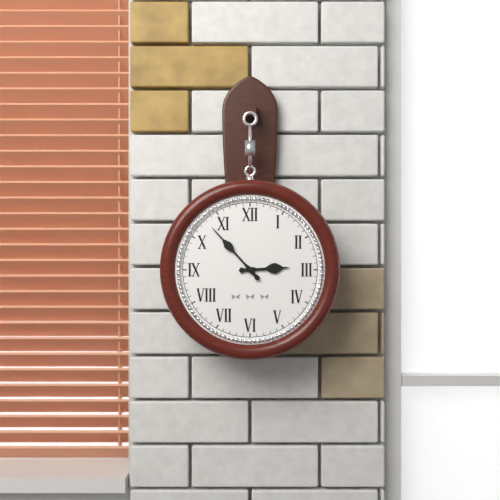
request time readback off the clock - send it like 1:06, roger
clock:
2:53
